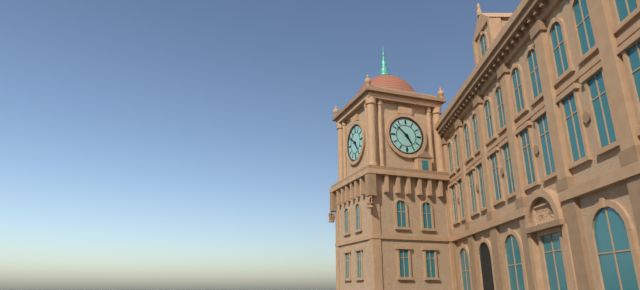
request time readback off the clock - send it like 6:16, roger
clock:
4:52
